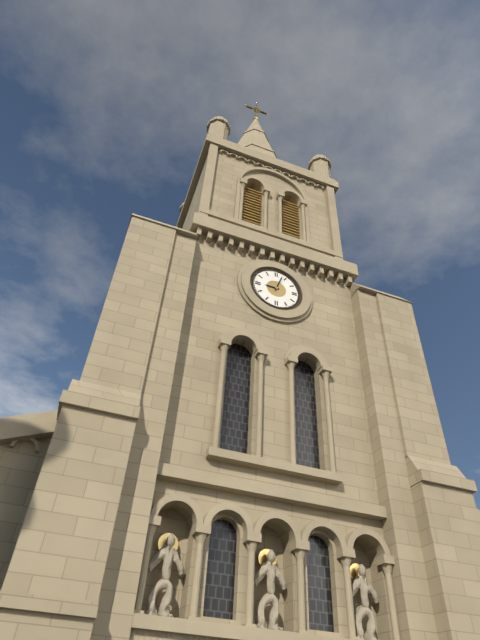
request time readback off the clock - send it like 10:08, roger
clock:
9:03
